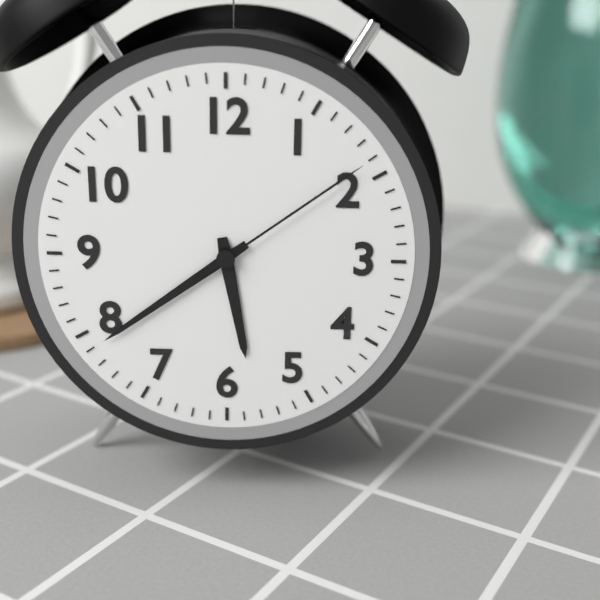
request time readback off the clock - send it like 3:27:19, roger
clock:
5:39:09
